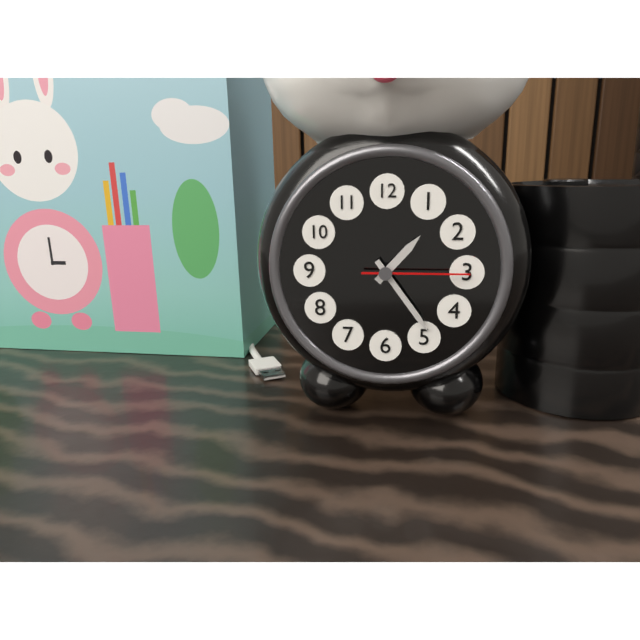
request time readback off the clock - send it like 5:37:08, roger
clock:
1:24:15
